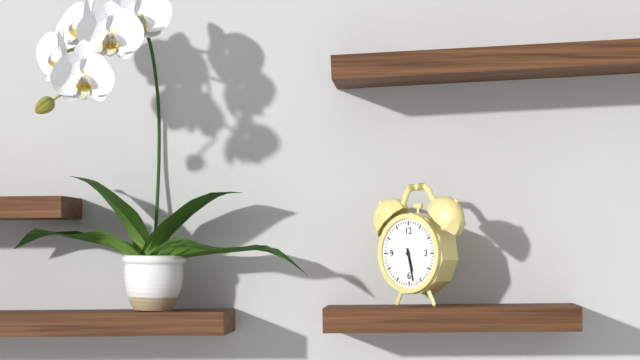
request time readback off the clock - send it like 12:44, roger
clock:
5:28
